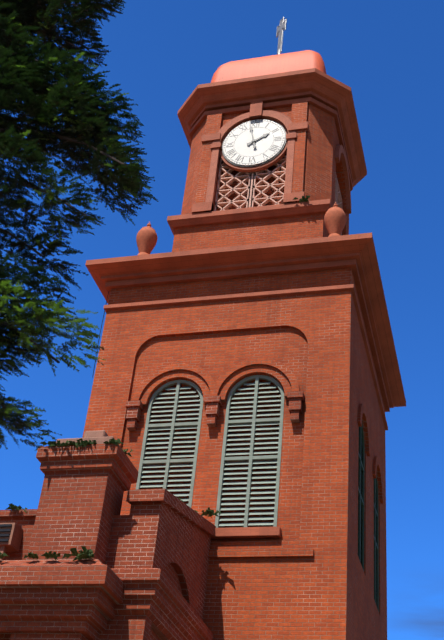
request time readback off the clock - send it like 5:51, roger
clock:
1:58
